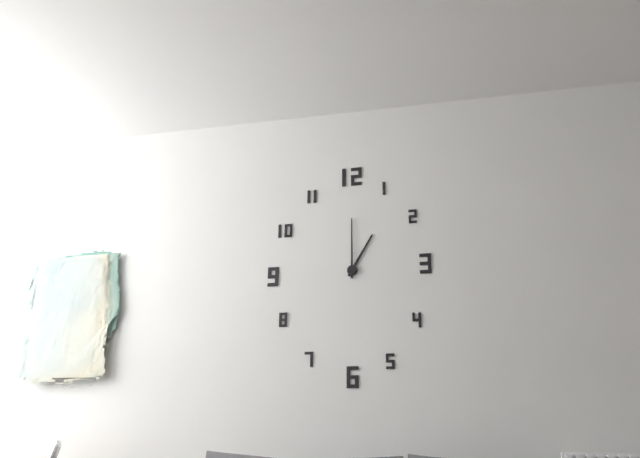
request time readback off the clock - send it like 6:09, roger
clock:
1:00
